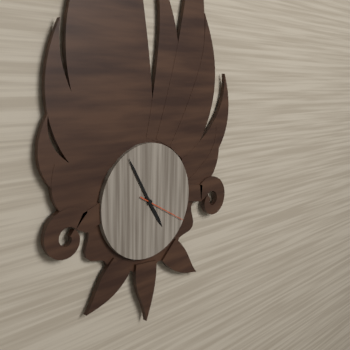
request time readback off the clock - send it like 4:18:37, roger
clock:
4:55:20
